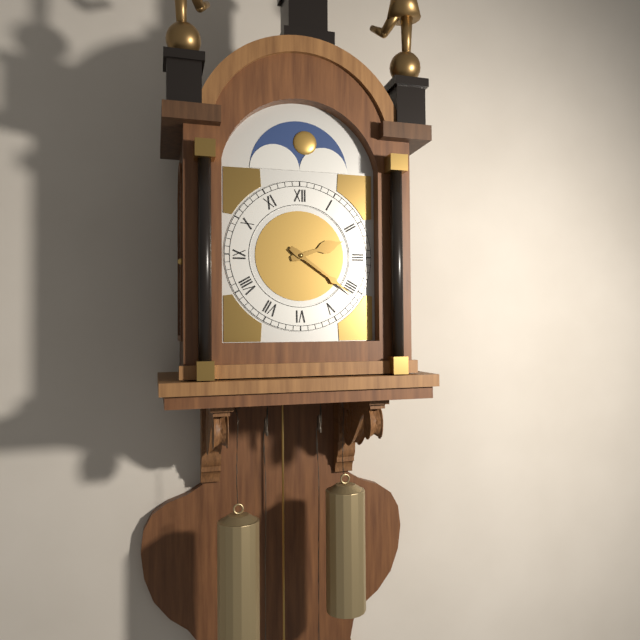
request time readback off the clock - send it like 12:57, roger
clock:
2:21
